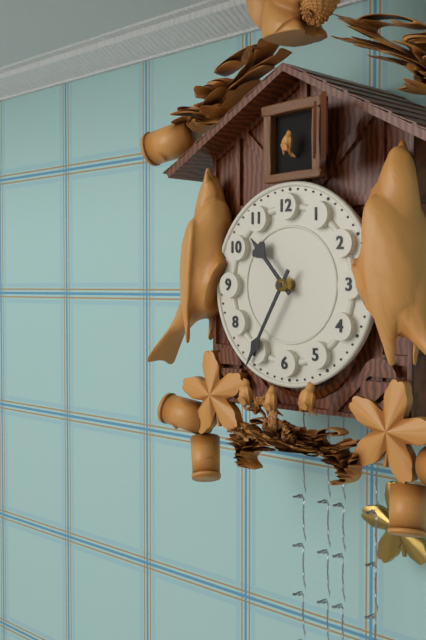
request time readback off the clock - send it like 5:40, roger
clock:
10:35
